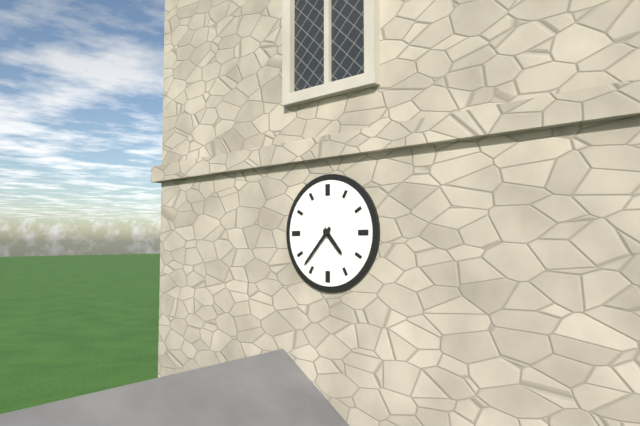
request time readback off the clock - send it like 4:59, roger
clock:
4:37
